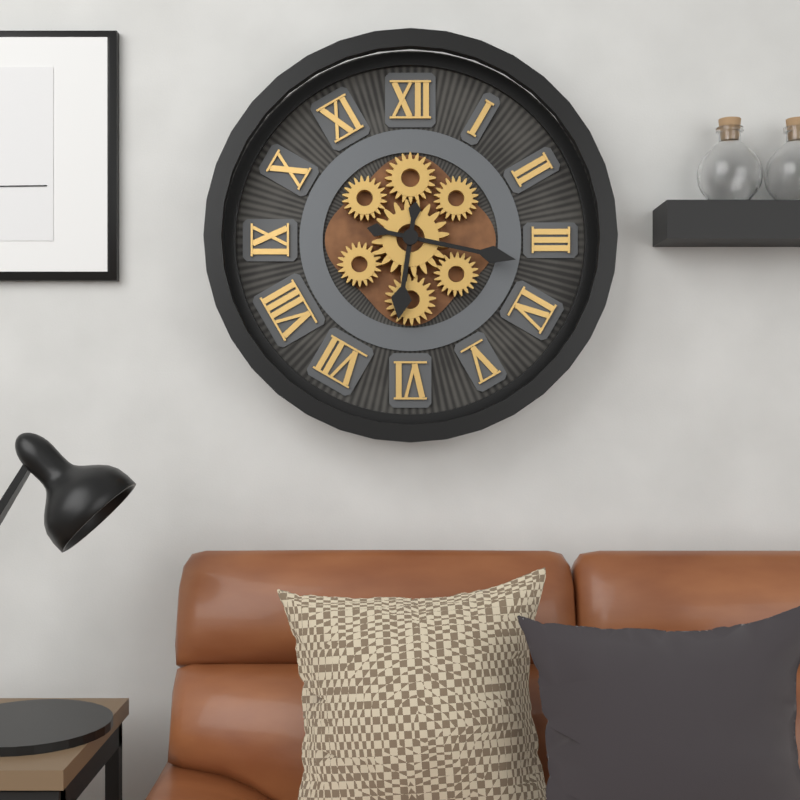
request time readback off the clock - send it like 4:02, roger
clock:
6:17
